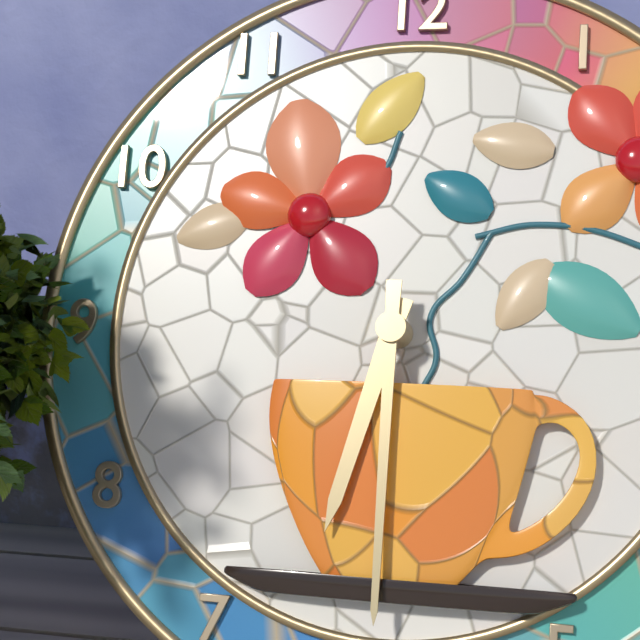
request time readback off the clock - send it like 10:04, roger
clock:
6:30
